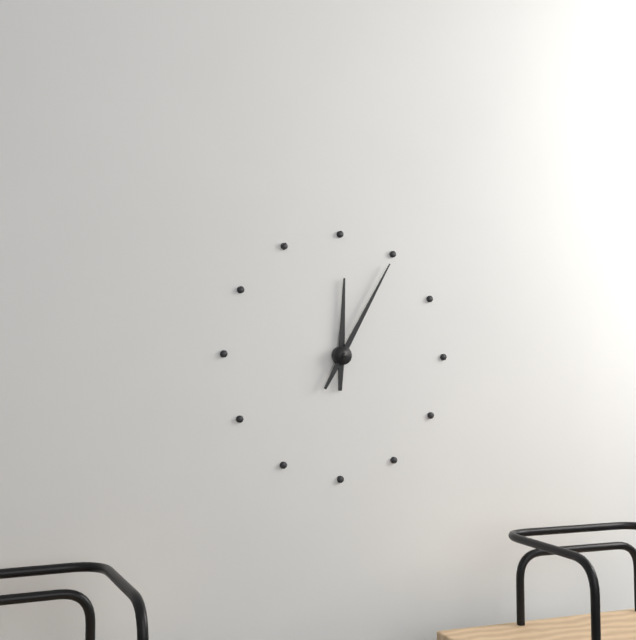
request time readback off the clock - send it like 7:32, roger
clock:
12:05
